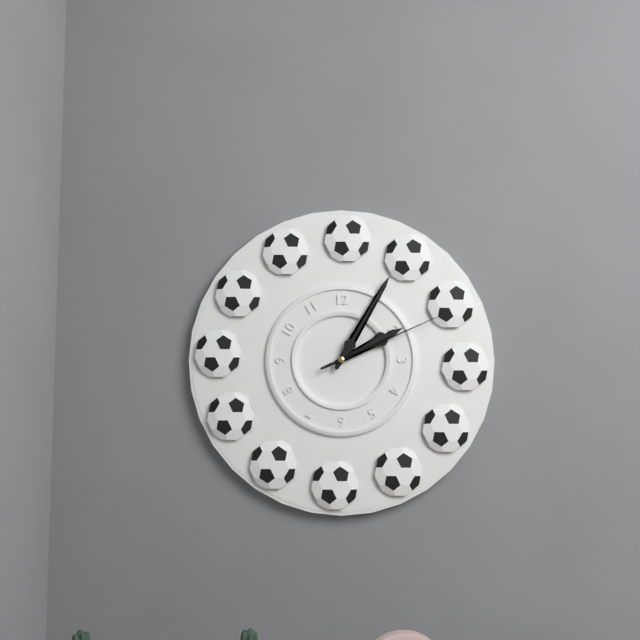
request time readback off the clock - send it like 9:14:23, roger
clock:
2:05:11
